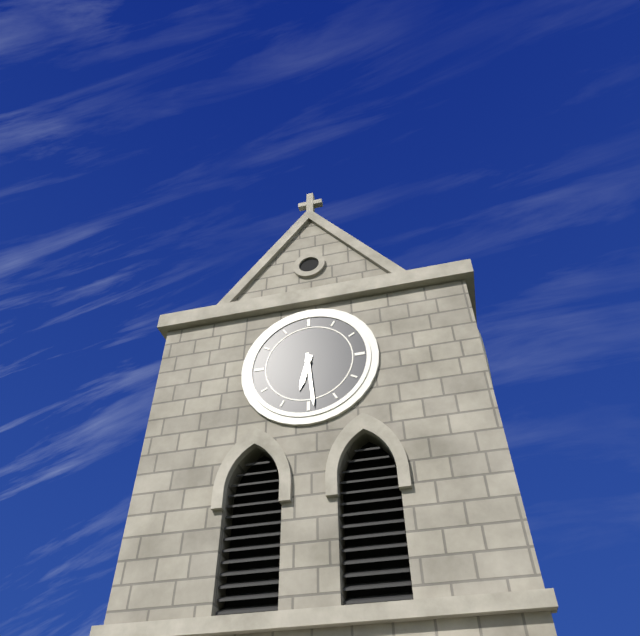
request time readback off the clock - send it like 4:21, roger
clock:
6:29
